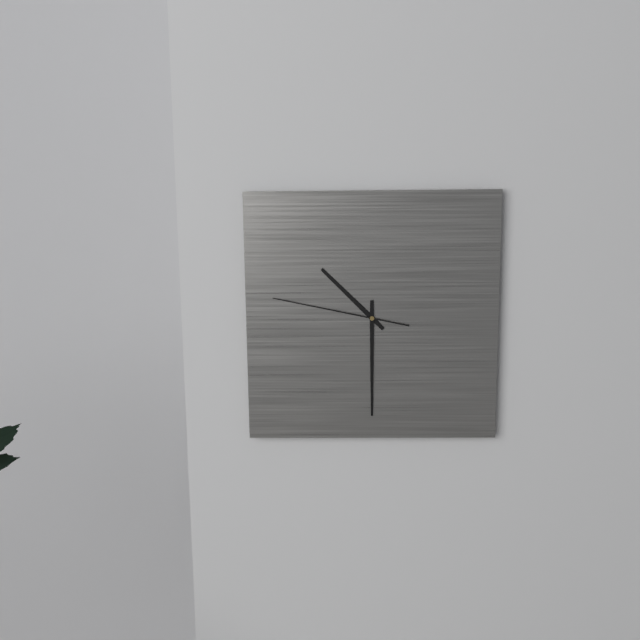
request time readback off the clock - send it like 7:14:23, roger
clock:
10:30:47
